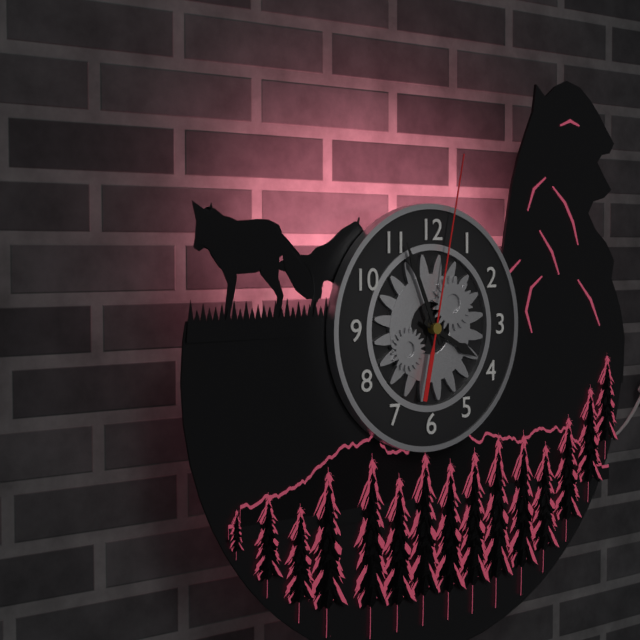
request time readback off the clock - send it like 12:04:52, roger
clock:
3:56:02
